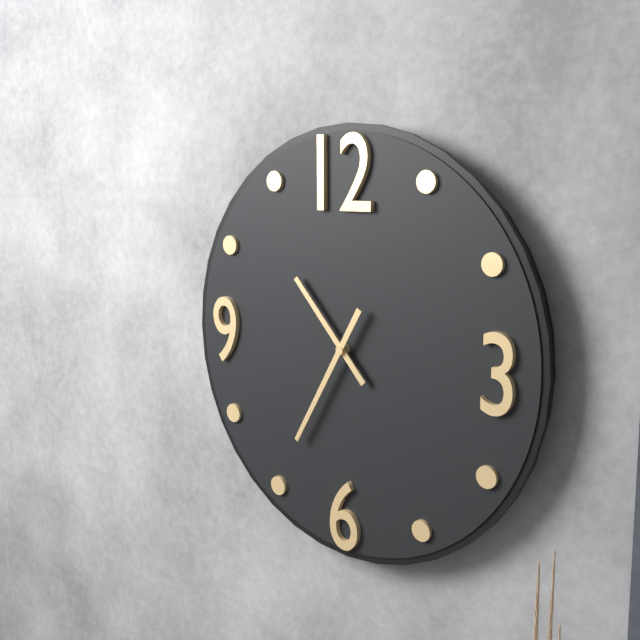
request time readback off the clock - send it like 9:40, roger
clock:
10:35
